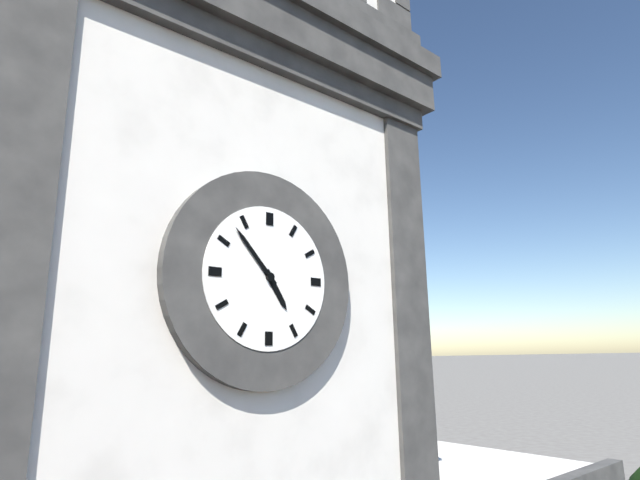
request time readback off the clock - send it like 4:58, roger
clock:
4:53
